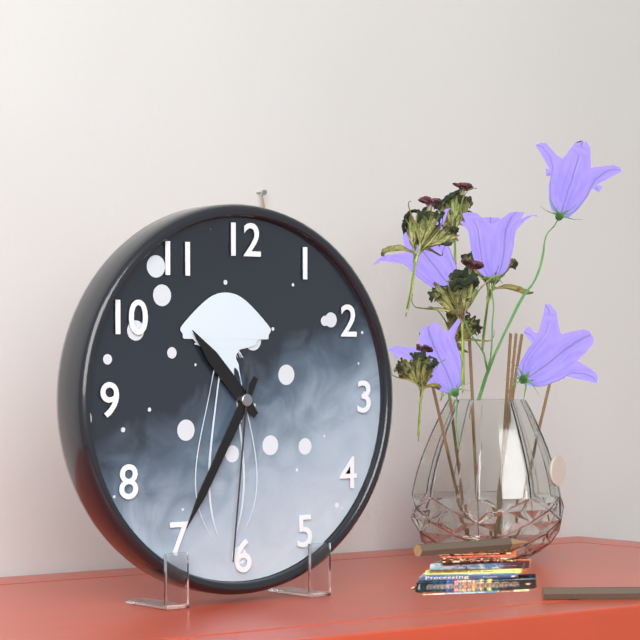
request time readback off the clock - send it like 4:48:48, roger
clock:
10:35:31
